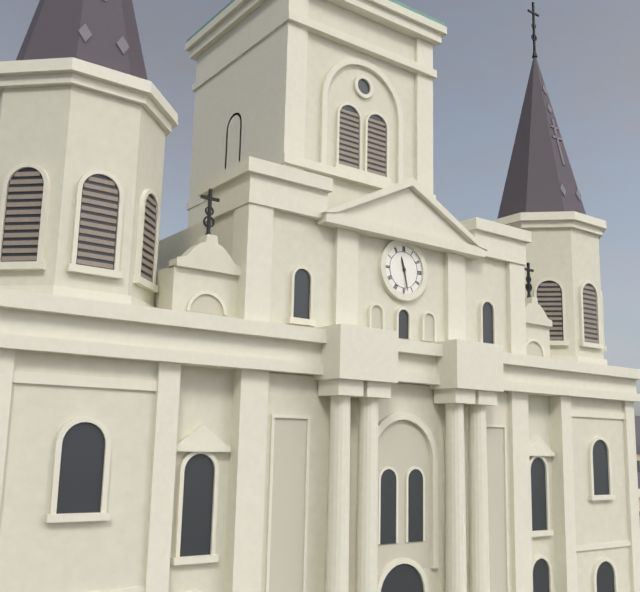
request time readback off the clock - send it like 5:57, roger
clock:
11:28
